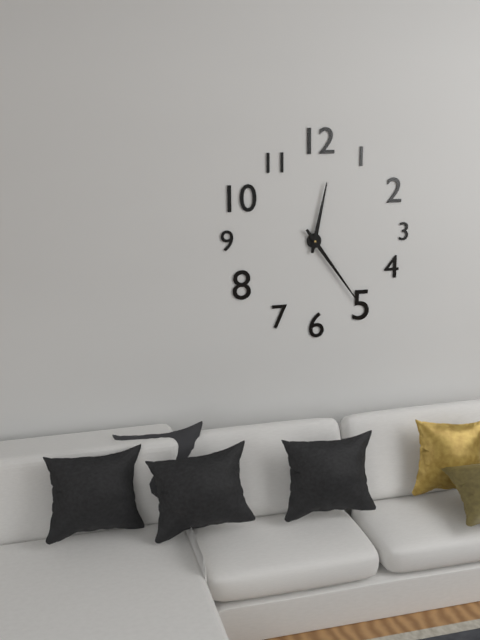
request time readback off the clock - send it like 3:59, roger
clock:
12:24
